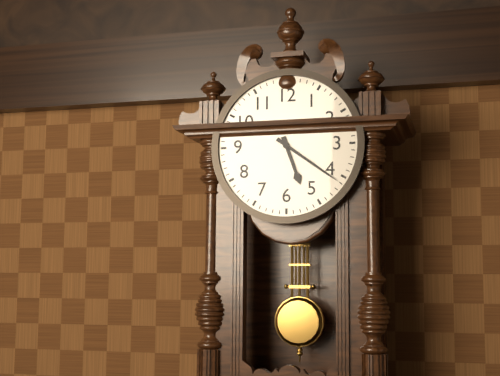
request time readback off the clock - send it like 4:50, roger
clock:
5:21
